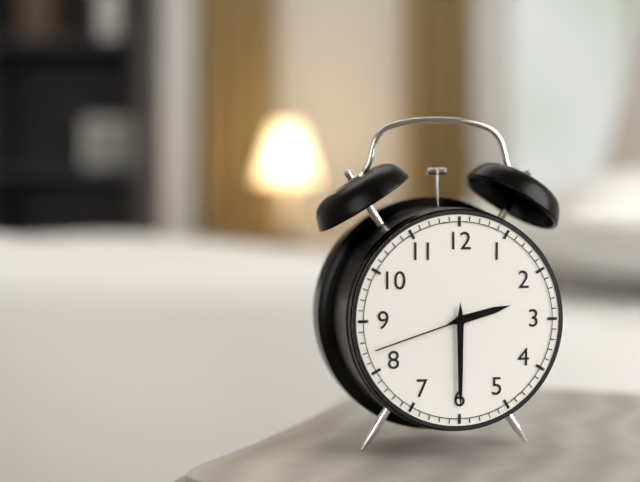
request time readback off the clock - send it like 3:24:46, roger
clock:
2:30:42
